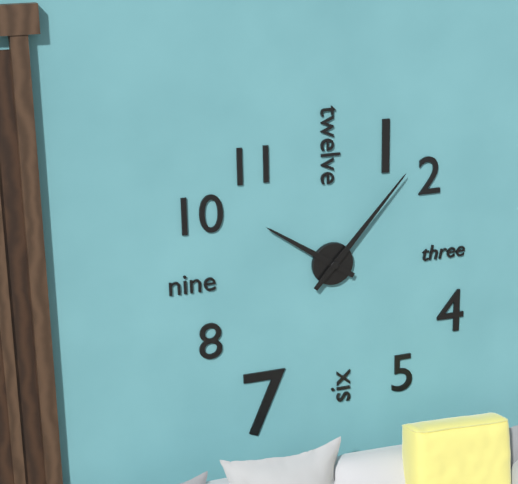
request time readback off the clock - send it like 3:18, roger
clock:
10:07
